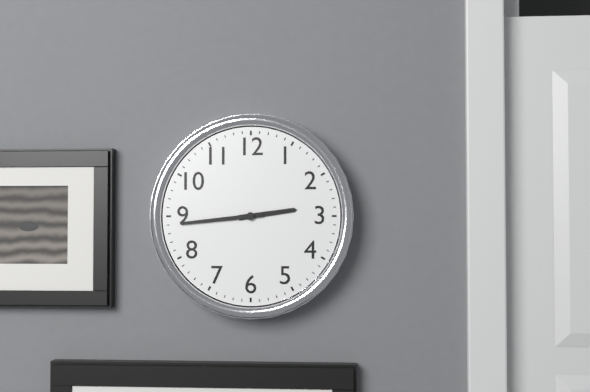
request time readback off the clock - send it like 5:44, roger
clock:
2:44
